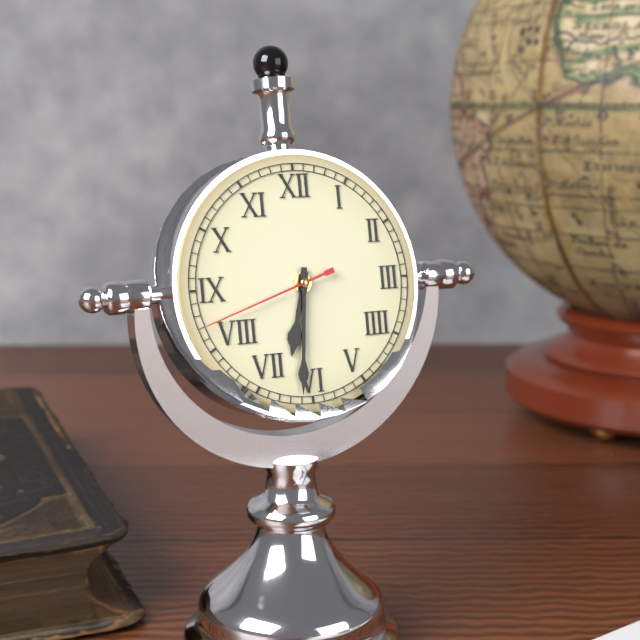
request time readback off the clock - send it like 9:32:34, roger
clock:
6:31:42
